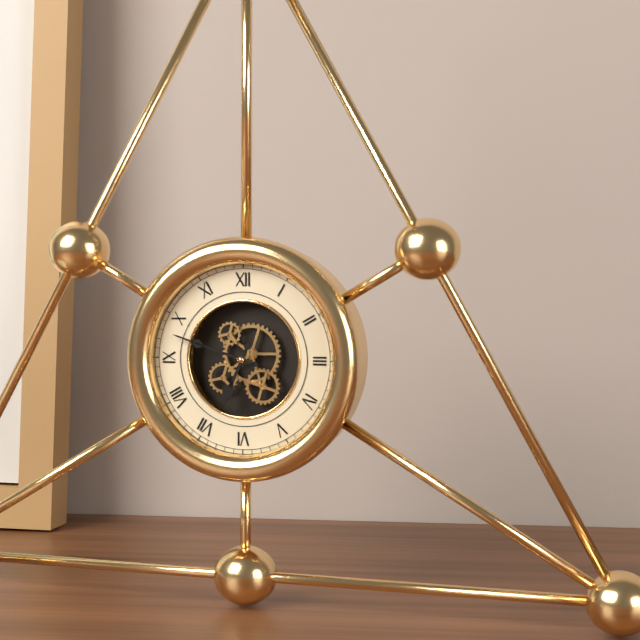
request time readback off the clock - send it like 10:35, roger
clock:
6:48
